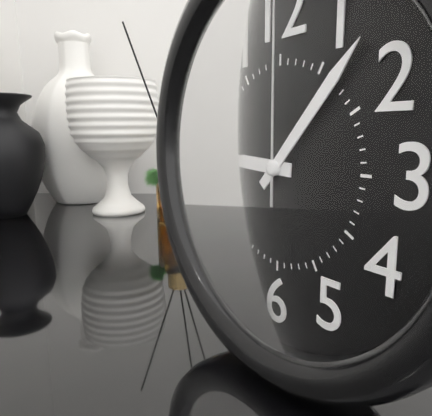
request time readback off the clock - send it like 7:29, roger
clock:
9:07
